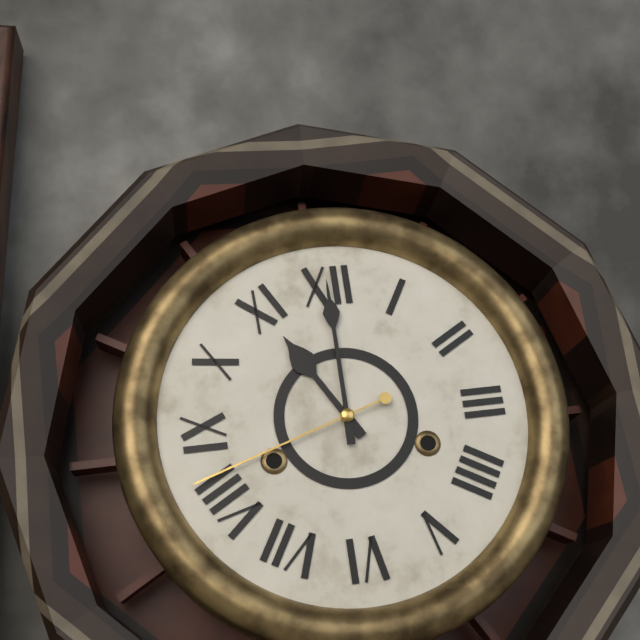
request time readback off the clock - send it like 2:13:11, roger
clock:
11:00:42
